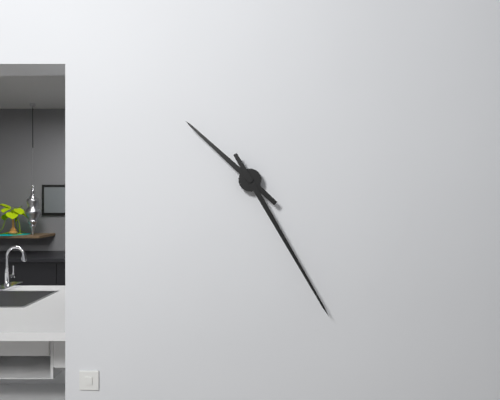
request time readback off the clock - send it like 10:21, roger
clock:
10:25
